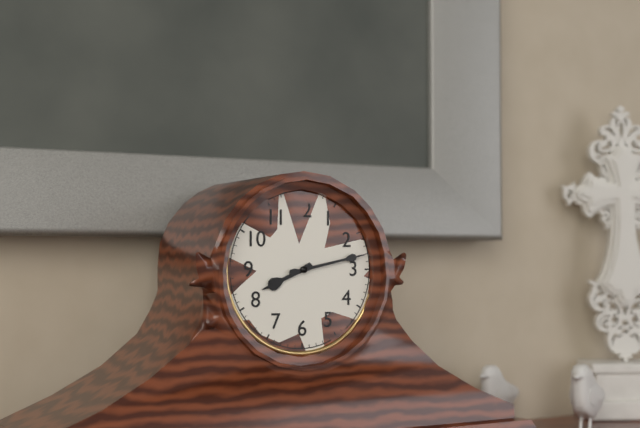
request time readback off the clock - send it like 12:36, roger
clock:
8:13
